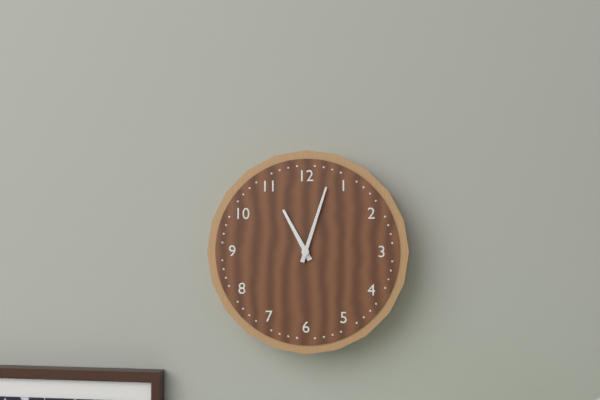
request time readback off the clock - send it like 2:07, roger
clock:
11:03
